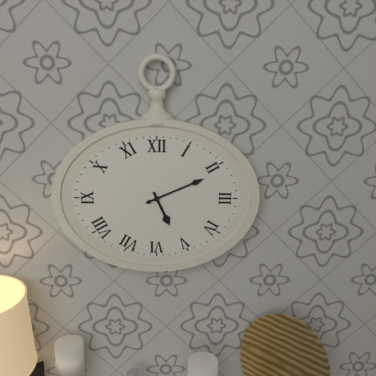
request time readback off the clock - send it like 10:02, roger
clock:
5:11
